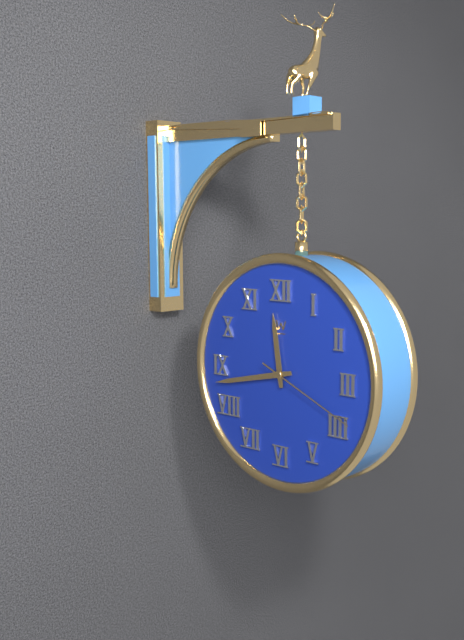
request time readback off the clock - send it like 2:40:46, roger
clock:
11:43:19
